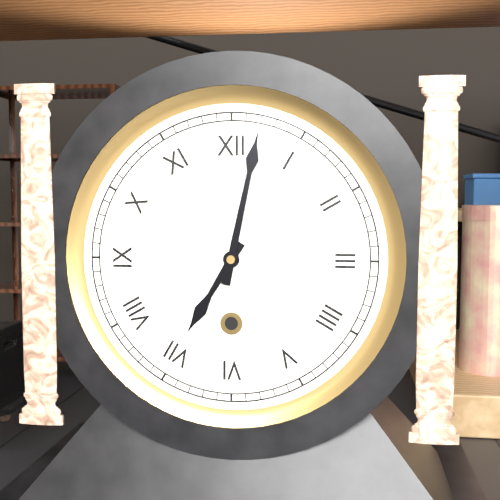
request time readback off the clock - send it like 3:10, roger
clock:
7:02
